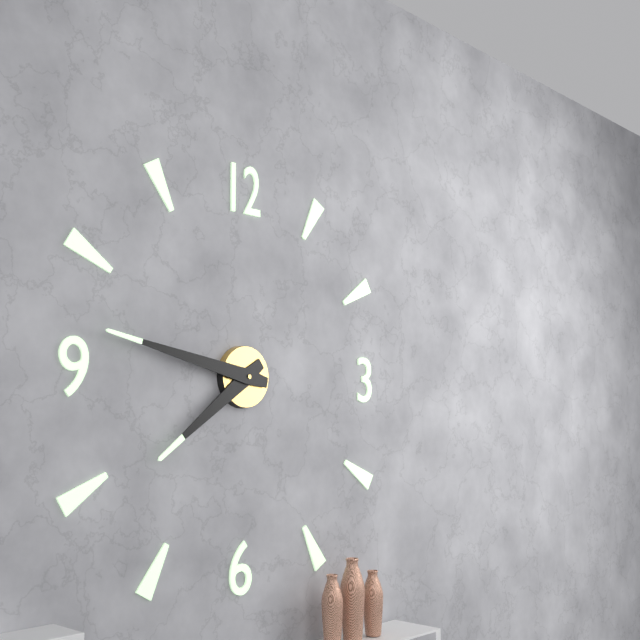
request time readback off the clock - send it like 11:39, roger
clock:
7:47
